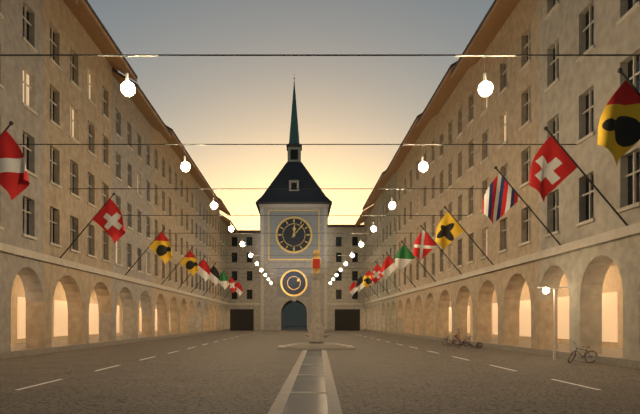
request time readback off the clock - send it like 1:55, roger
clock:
12:07
